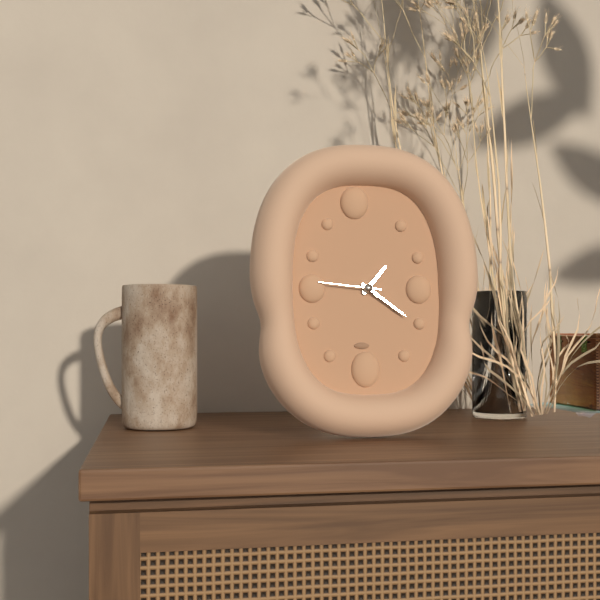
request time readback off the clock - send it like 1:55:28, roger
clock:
1:21:46
